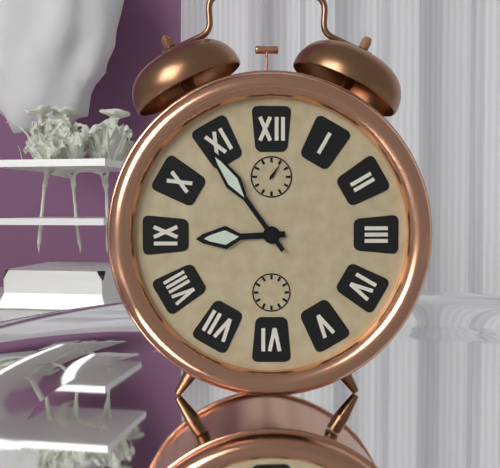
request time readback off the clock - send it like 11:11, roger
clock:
8:54
